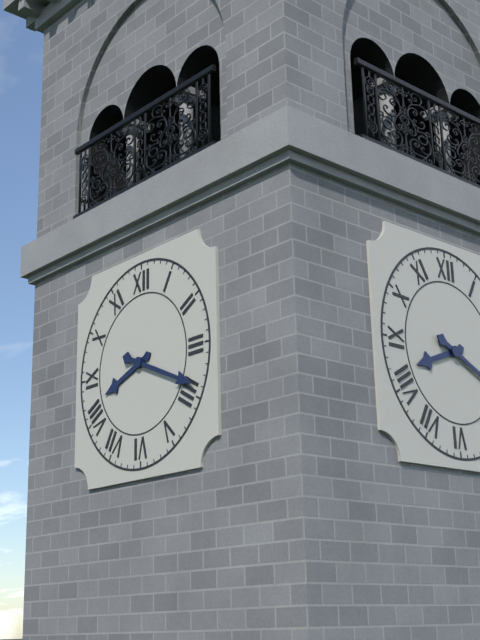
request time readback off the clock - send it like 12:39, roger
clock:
8:19
